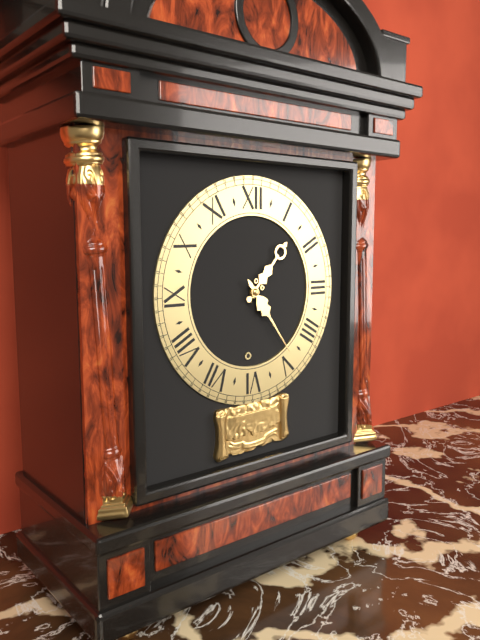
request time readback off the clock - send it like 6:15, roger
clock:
1:24
